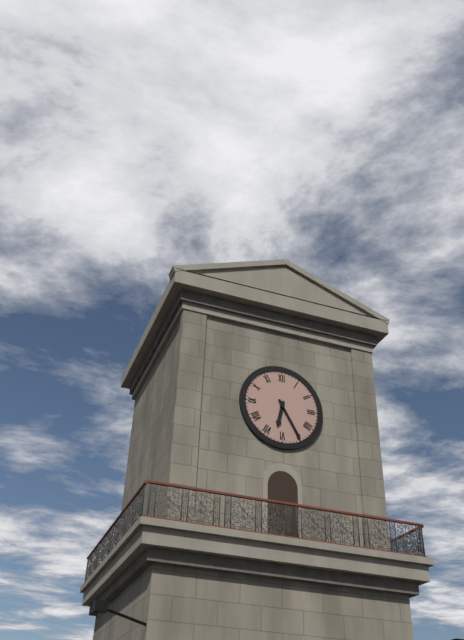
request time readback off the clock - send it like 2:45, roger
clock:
6:25
